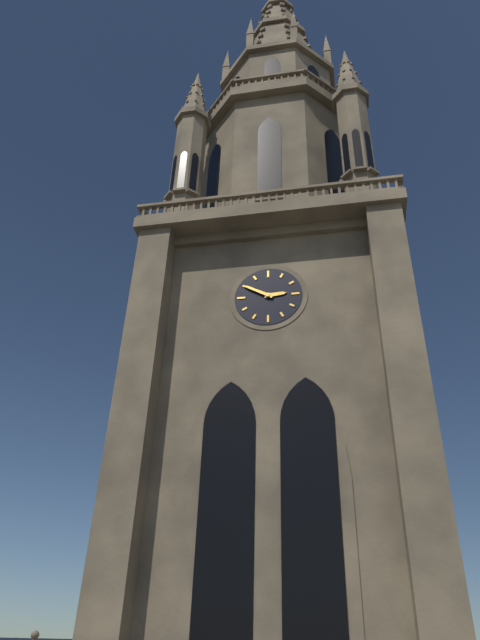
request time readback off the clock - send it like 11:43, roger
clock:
2:50
